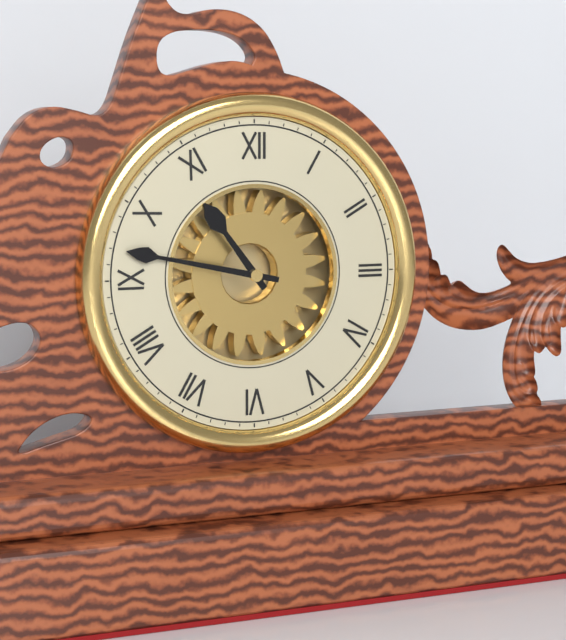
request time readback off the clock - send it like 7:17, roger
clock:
10:47
